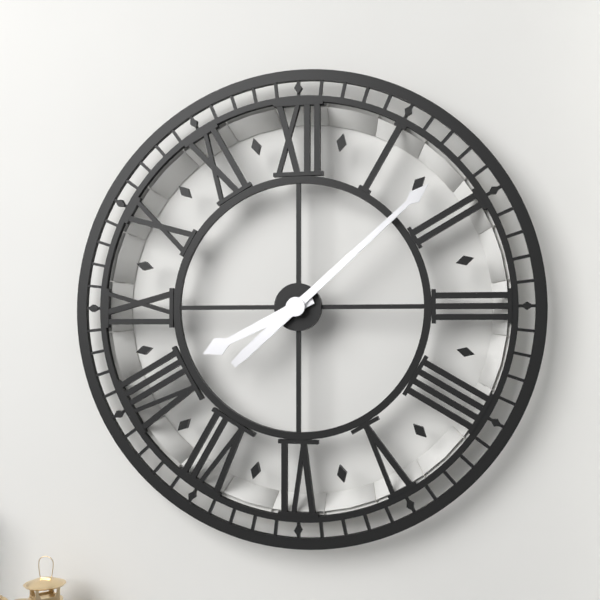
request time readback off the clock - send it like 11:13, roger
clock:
8:08
